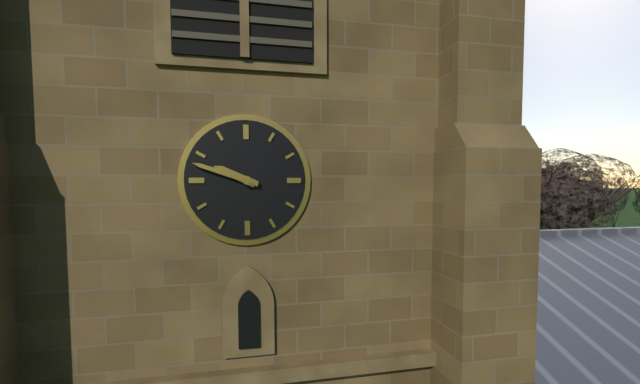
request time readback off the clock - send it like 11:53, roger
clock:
9:48
